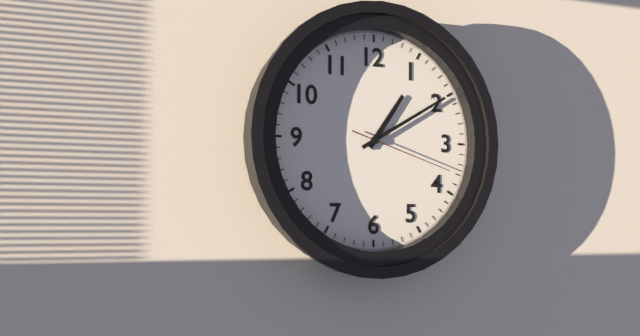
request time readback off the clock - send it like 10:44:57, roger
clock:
1:10:18
